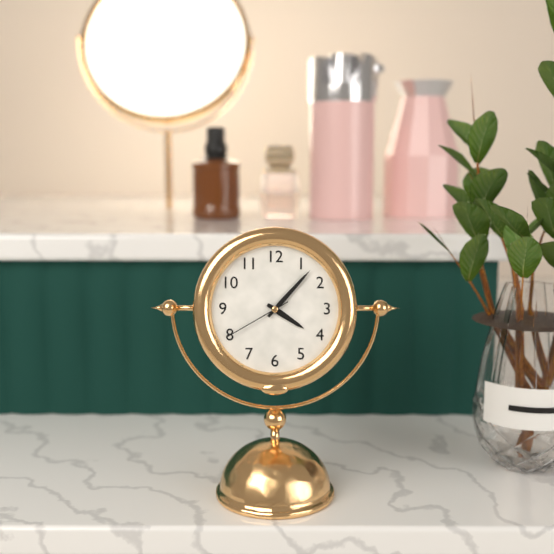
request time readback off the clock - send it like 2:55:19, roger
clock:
4:07:40
